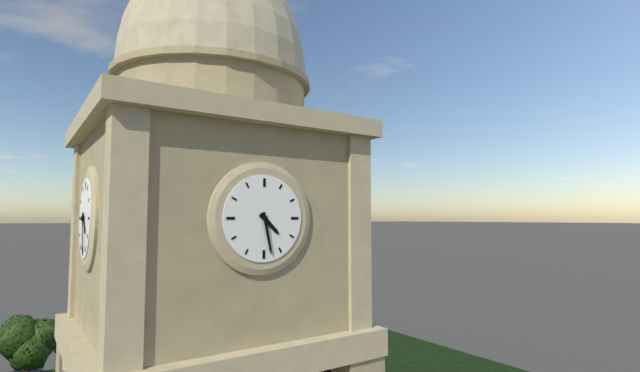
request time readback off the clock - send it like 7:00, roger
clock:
4:28
